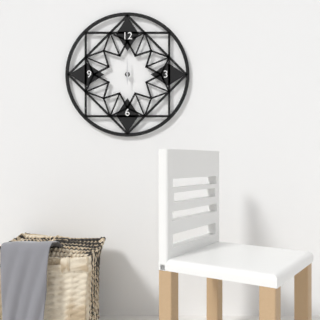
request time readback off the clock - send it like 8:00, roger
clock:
6:00
